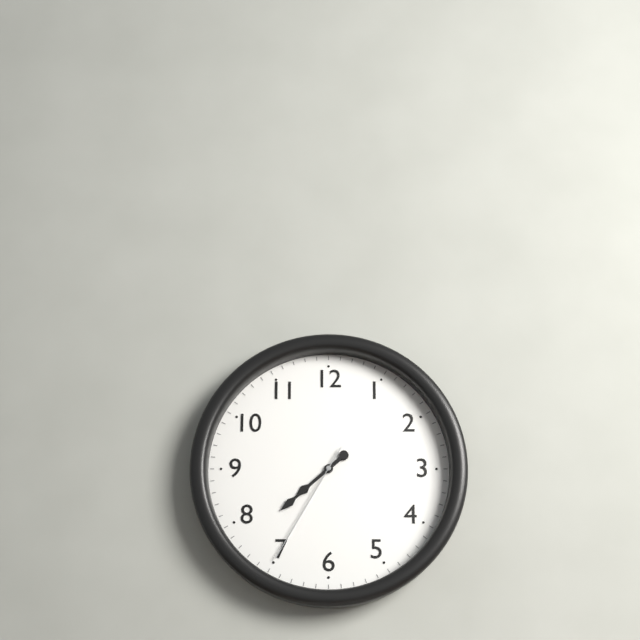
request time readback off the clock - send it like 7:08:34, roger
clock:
7:38:35
